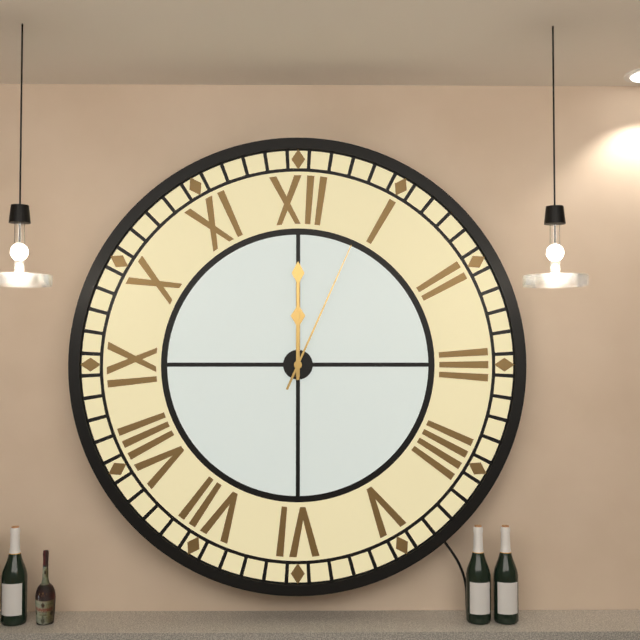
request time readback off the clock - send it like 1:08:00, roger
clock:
12:00:04
